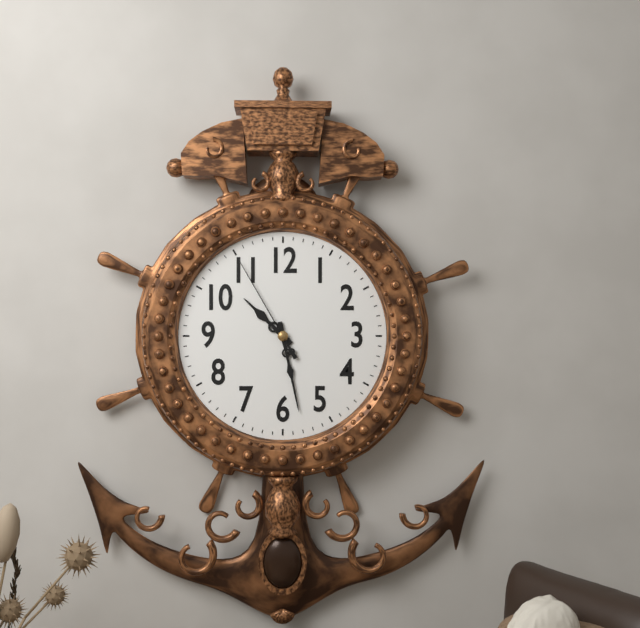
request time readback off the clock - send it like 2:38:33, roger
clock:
10:28:55
